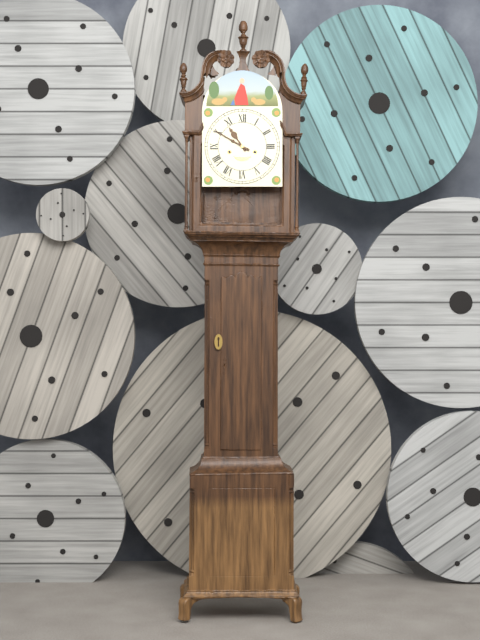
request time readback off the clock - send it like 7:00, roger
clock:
10:50
